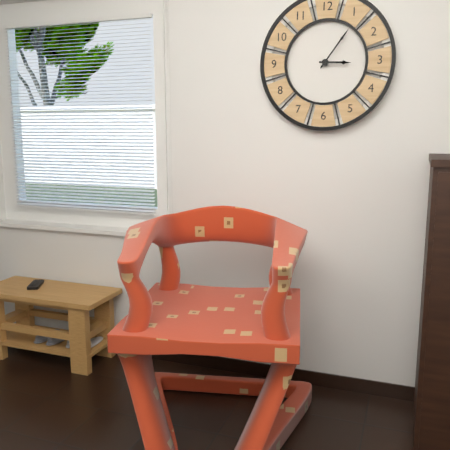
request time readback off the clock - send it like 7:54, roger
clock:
3:06
